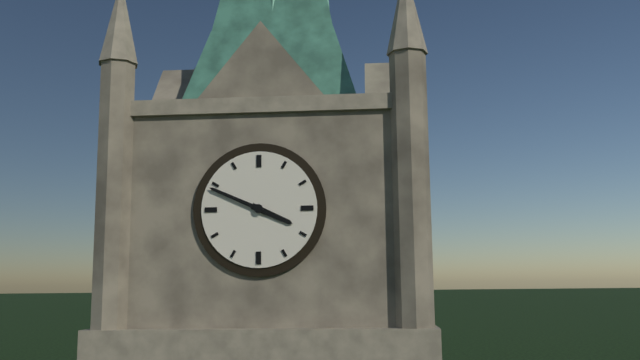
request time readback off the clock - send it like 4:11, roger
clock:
3:49
